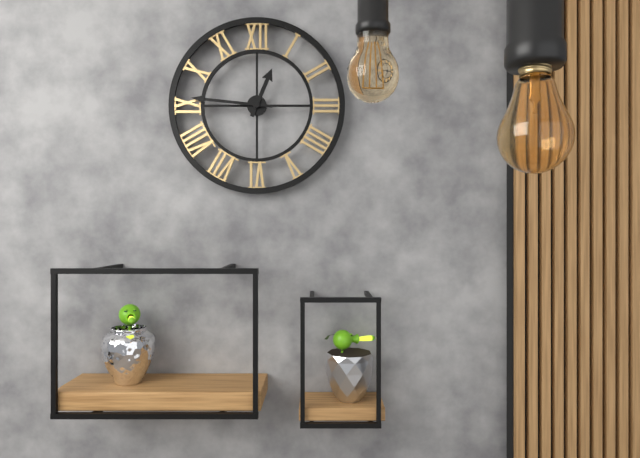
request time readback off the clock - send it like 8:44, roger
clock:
12:46
